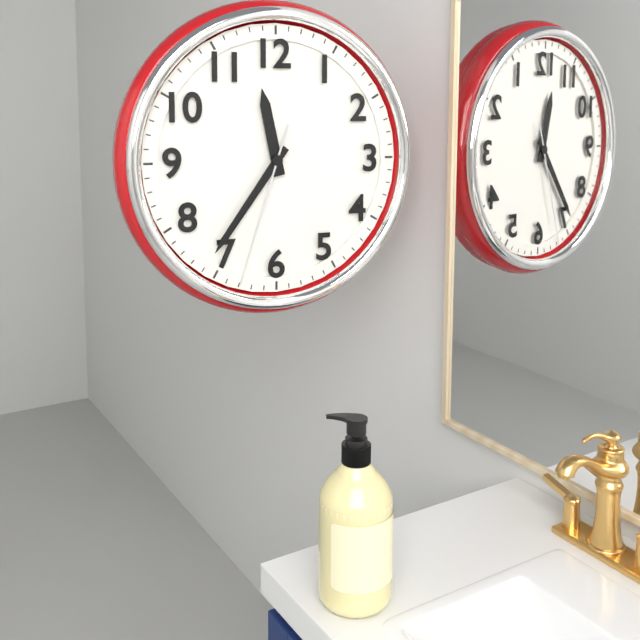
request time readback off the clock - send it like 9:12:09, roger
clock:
11:36:33
